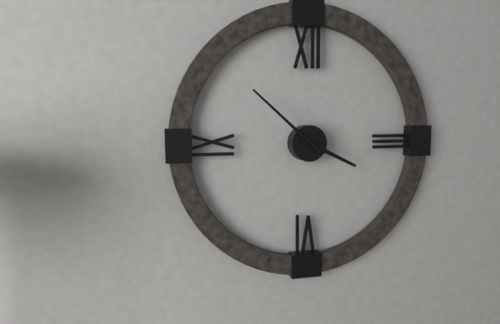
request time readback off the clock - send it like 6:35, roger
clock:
3:52
